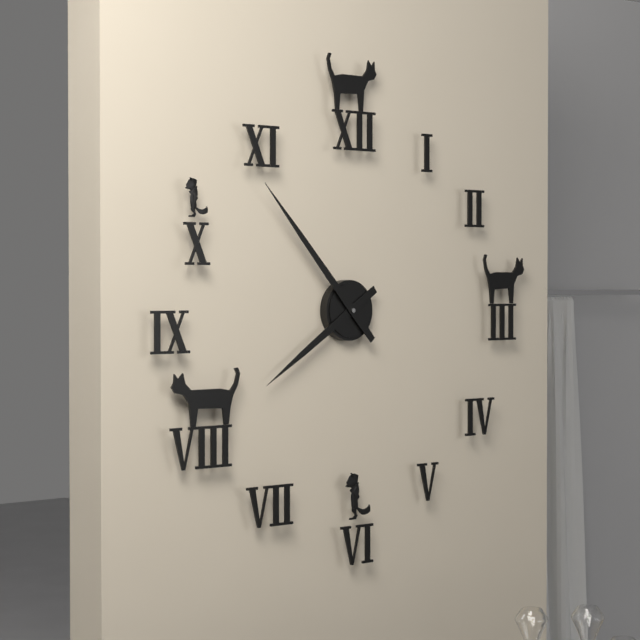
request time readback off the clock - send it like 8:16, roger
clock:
7:53
